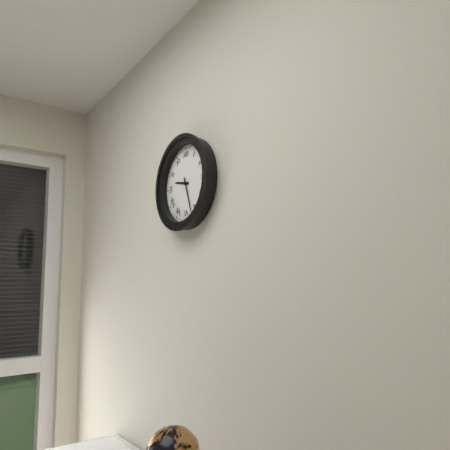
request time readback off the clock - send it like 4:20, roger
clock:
9:27
